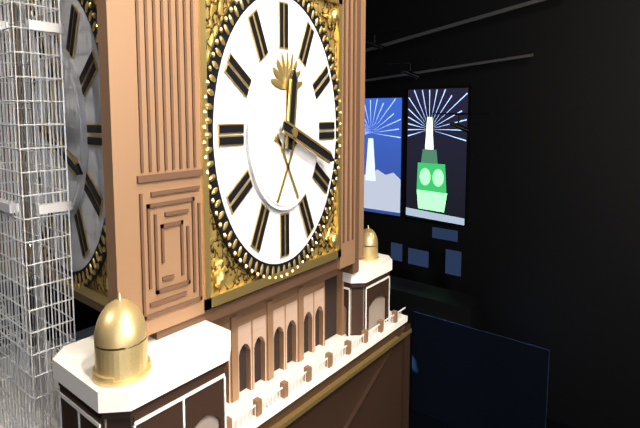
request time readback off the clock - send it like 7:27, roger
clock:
12:18
